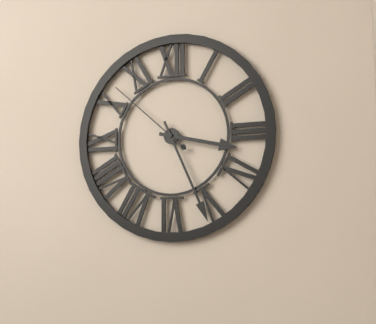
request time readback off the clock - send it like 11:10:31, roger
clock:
3:26:52
